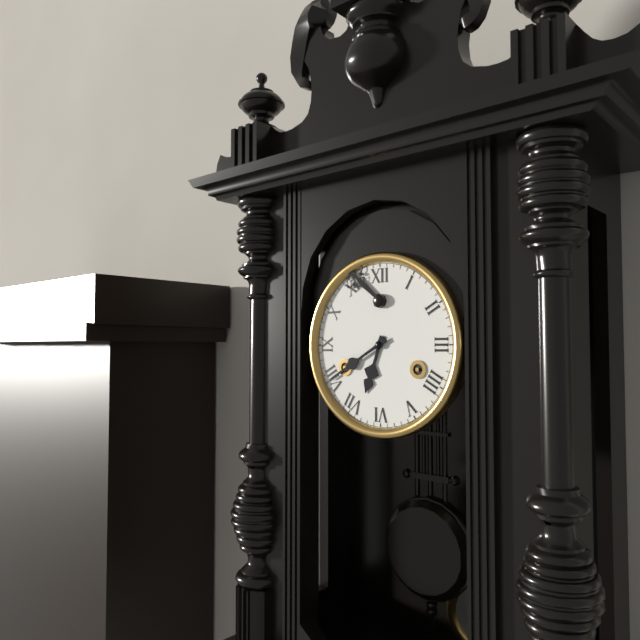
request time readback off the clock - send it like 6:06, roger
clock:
6:40
